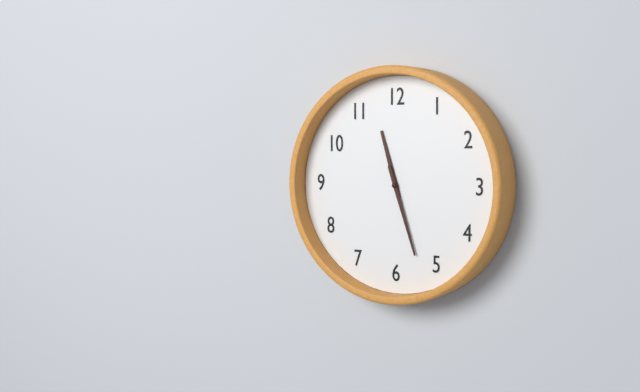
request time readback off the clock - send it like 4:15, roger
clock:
11:27
